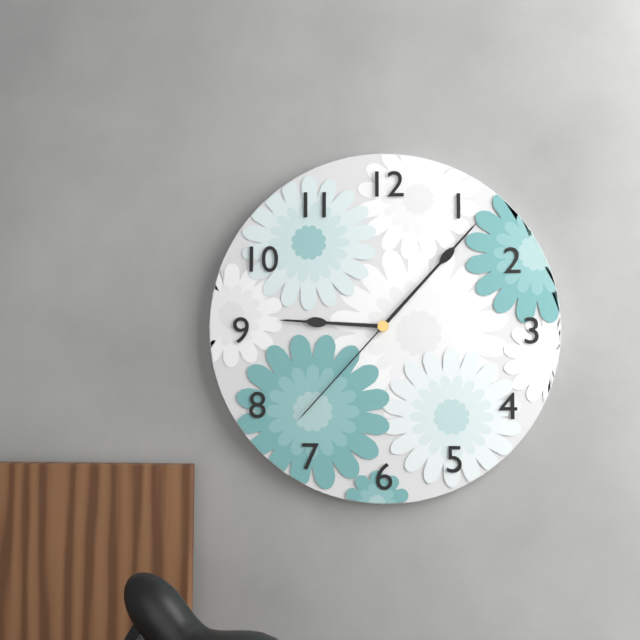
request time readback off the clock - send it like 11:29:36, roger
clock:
9:07:37
